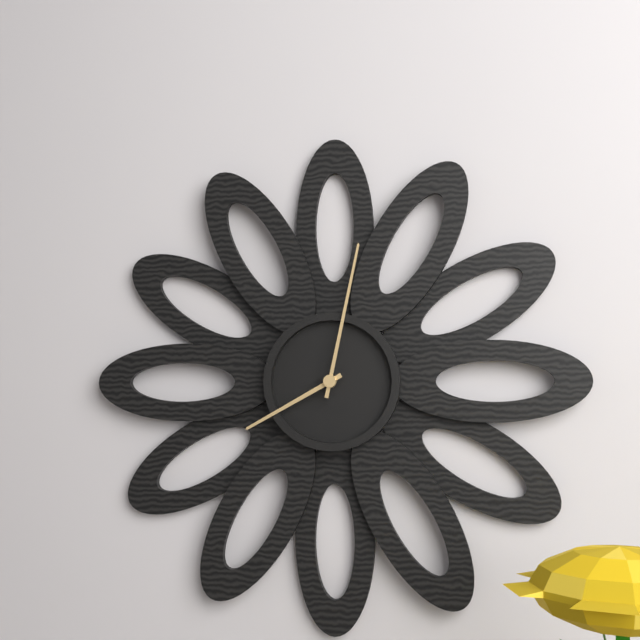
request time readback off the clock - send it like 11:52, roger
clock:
8:02
